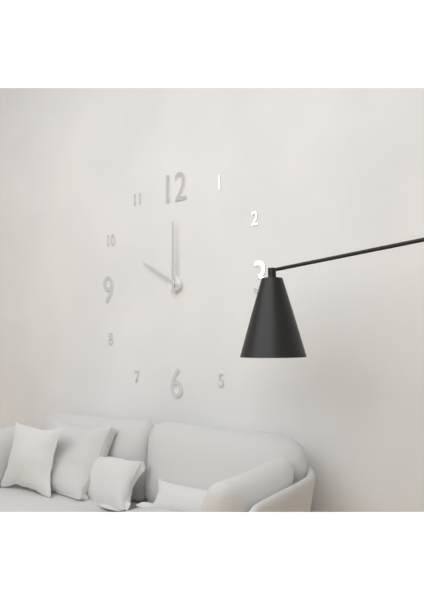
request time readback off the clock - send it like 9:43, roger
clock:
10:00
